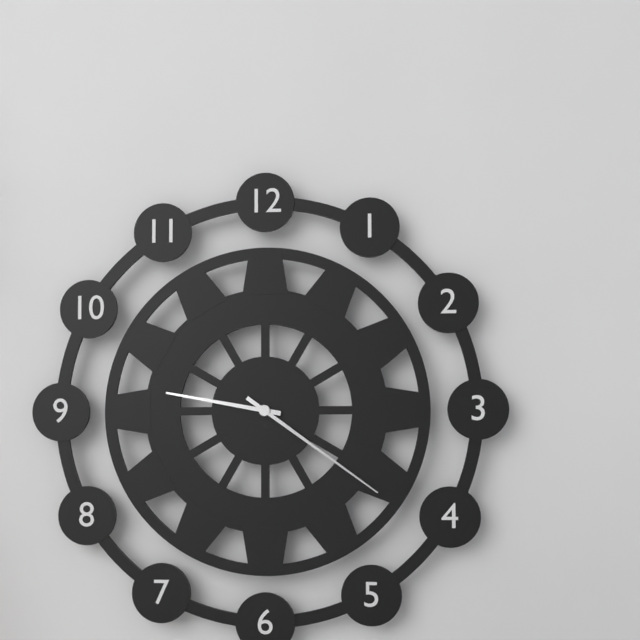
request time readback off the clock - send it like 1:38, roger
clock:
9:21
